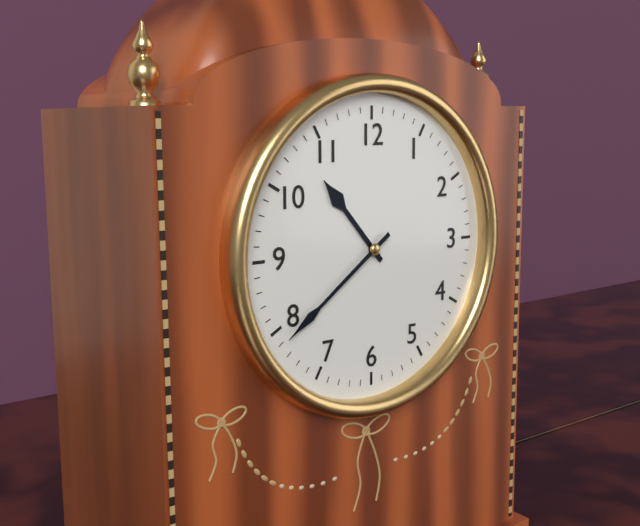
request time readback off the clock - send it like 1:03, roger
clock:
10:39
